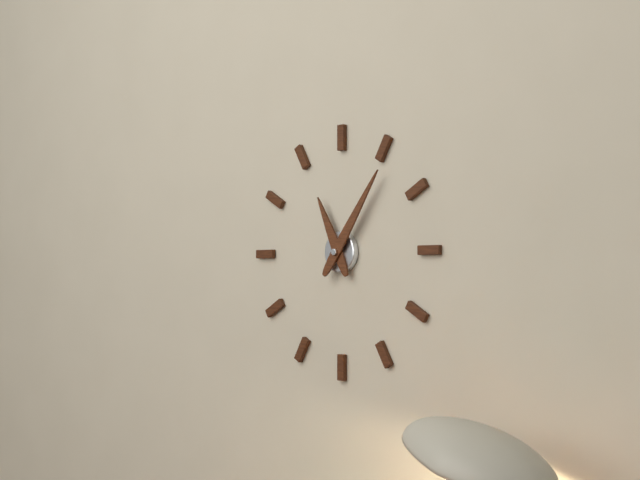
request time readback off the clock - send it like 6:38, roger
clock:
11:06
